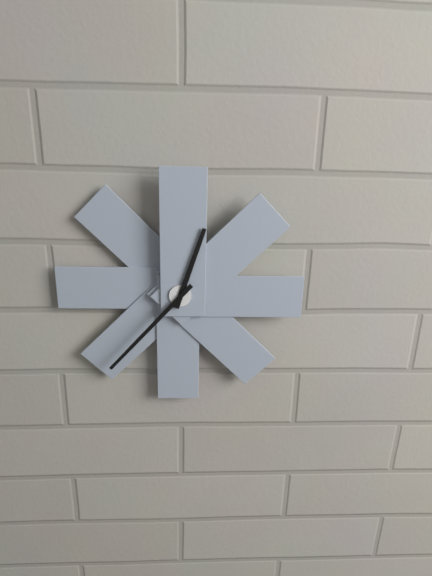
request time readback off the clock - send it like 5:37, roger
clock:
12:37
